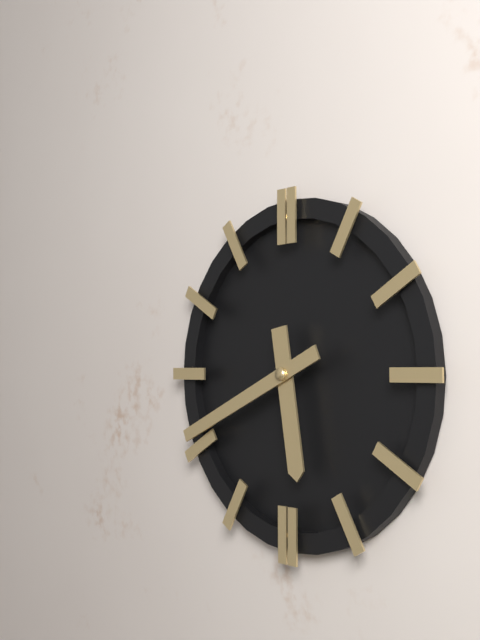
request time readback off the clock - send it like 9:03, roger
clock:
5:41
